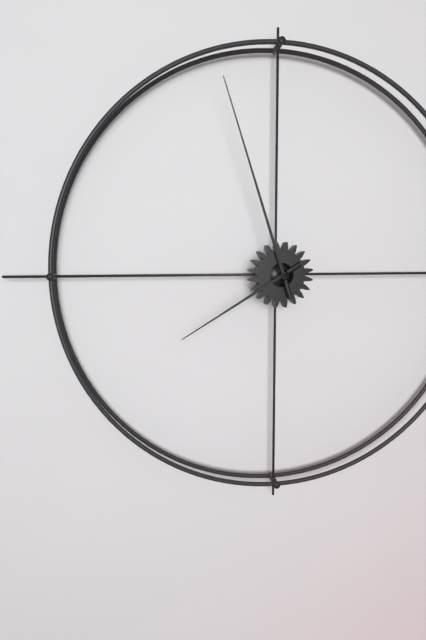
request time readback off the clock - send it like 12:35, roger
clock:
7:57
